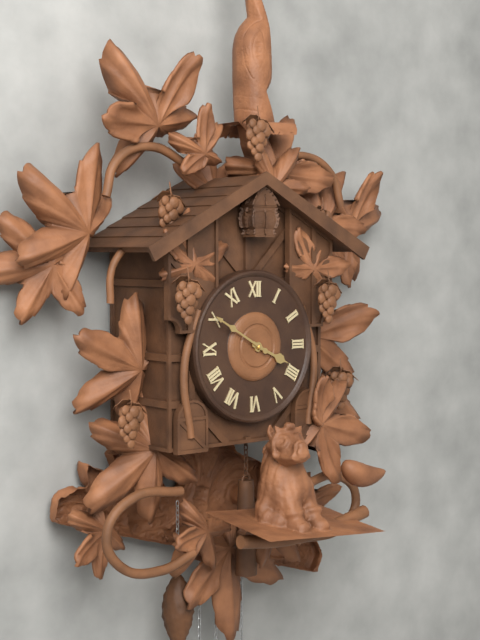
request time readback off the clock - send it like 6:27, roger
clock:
3:50
